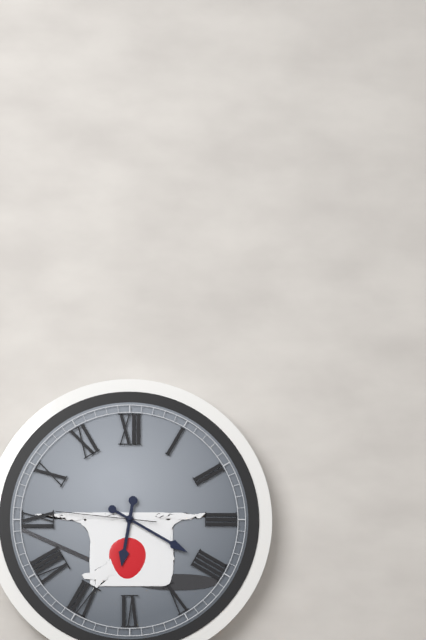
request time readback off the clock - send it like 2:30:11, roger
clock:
6:20:46
